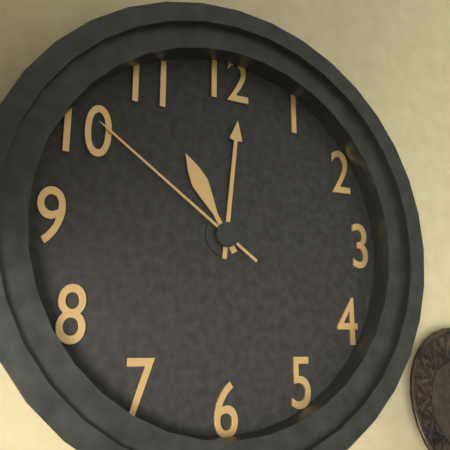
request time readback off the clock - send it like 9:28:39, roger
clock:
11:01:51
